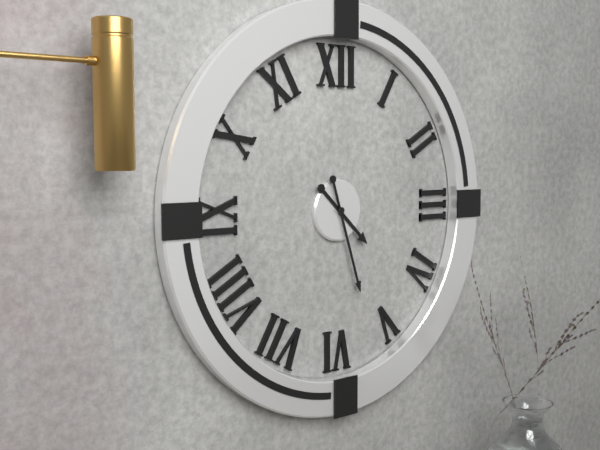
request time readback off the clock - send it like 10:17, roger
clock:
4:27
